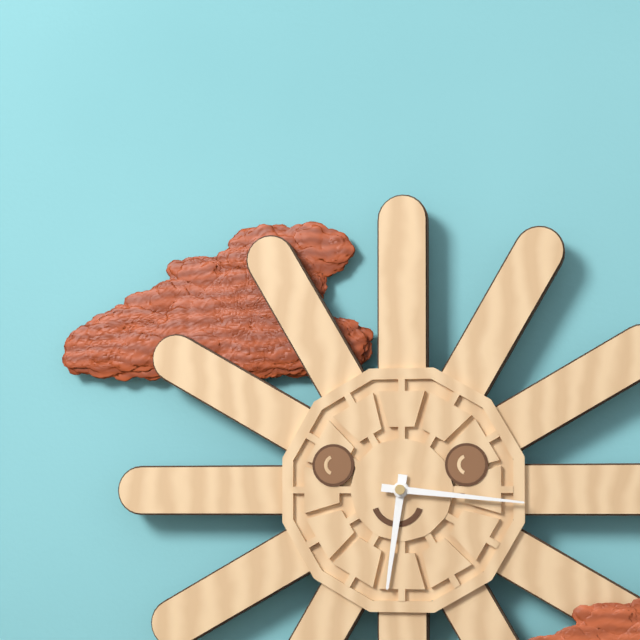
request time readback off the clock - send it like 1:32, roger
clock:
6:16
